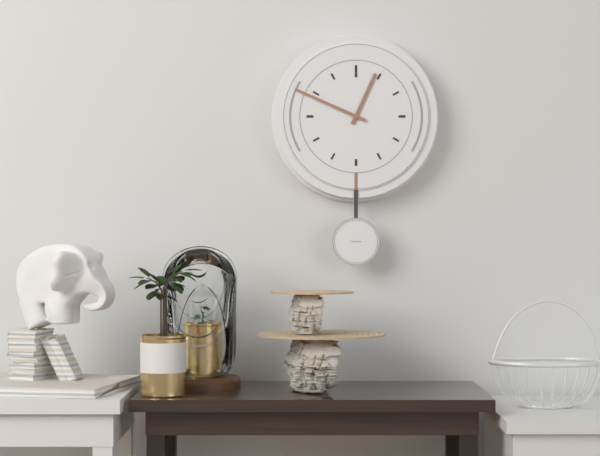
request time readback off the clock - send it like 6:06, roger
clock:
12:49
